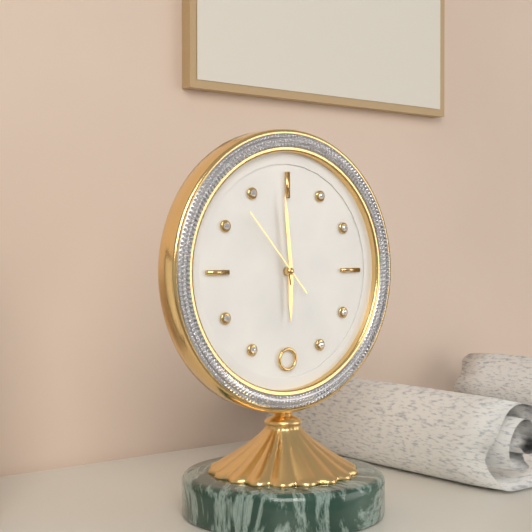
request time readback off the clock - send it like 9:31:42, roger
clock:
5:59:53
